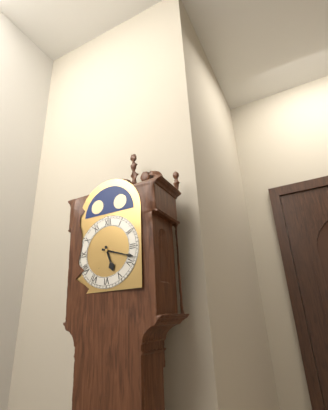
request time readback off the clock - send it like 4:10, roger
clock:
5:18
